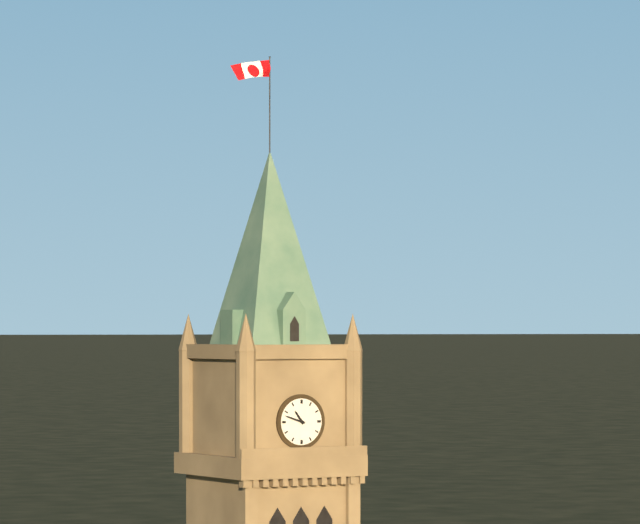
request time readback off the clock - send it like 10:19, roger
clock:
10:48
